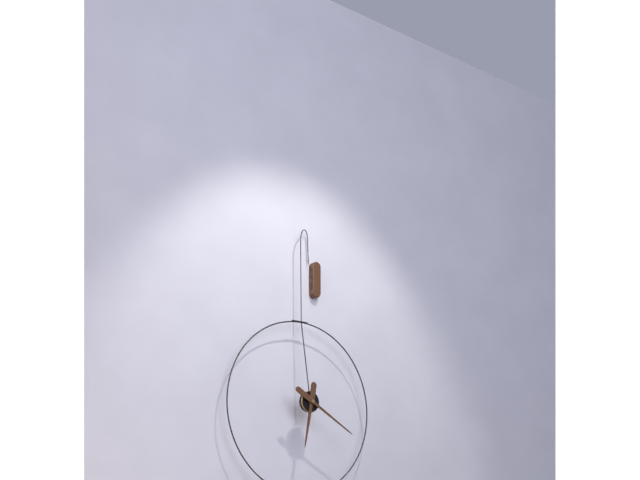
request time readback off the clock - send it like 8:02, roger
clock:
6:20
